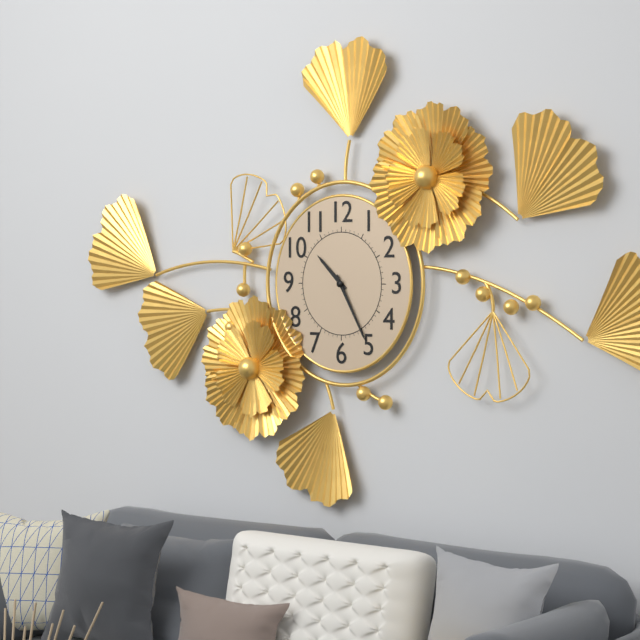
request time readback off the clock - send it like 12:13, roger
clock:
10:25
